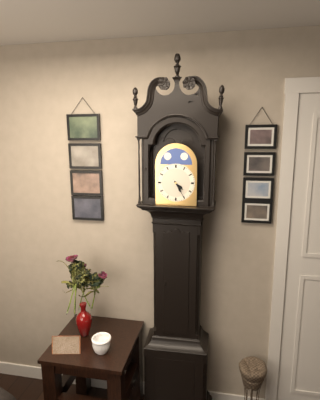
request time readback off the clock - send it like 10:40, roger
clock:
4:25
